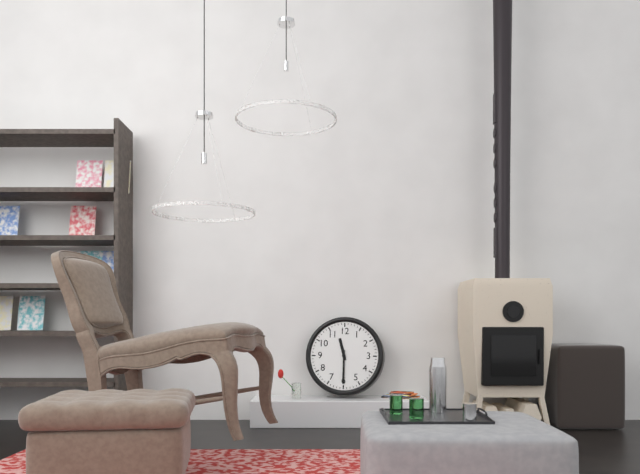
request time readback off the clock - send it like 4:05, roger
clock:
11:30
